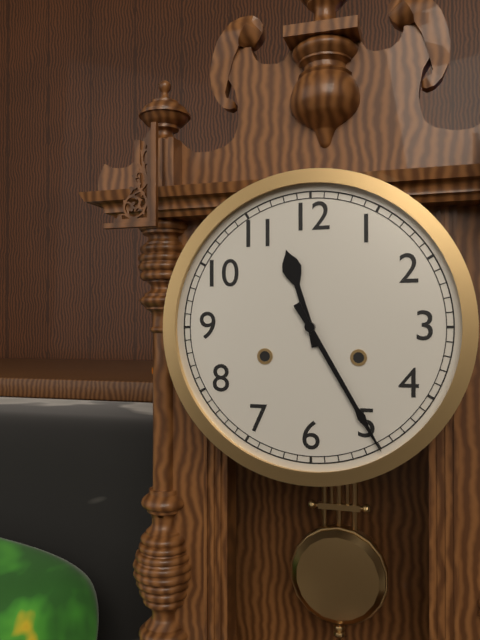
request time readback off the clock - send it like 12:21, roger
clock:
11:25
